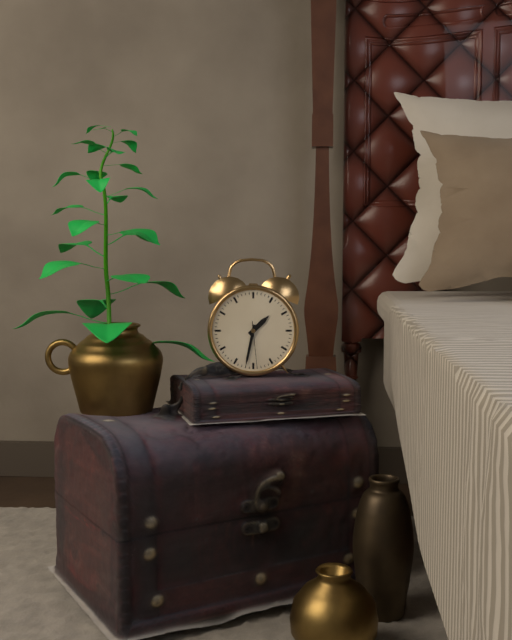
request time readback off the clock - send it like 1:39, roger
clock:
1:32
